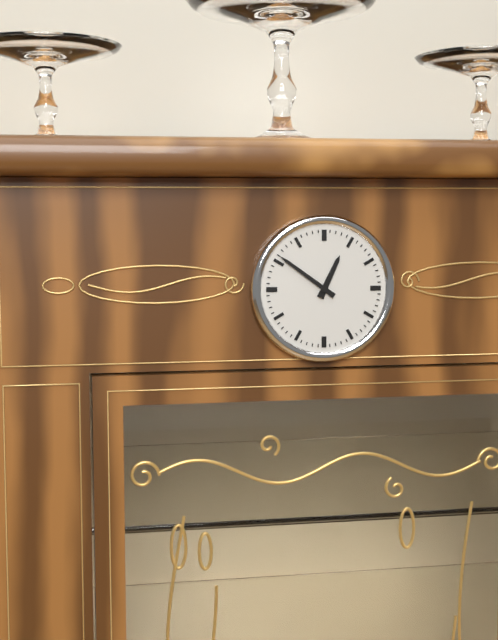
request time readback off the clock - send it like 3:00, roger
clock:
12:51
